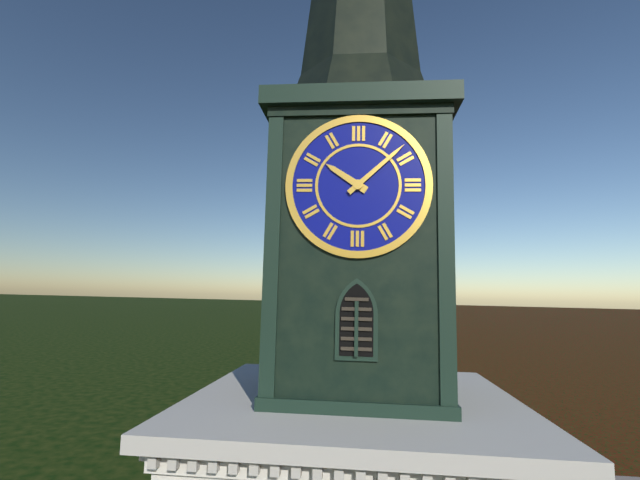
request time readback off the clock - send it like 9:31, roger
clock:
10:08
